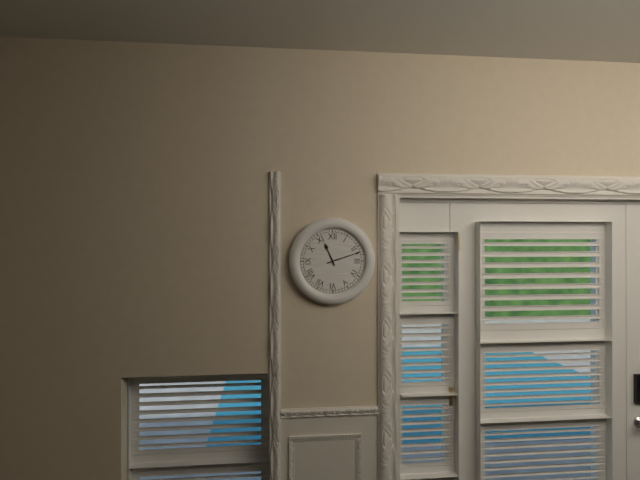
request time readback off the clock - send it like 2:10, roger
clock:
11:12
